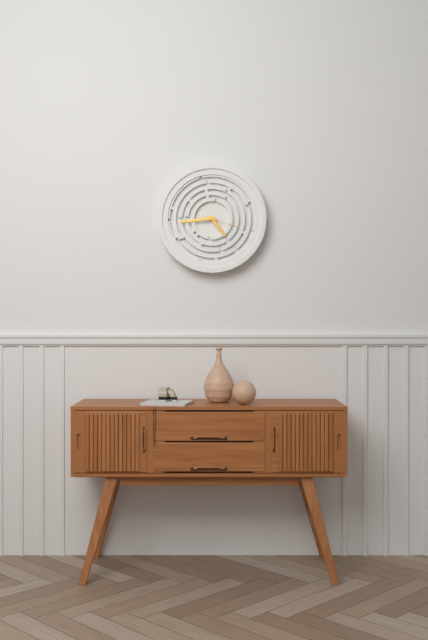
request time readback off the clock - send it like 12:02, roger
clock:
4:44
